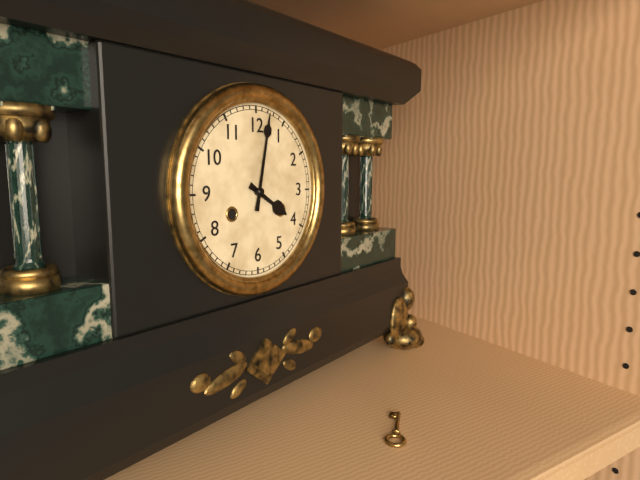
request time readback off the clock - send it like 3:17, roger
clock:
4:02
